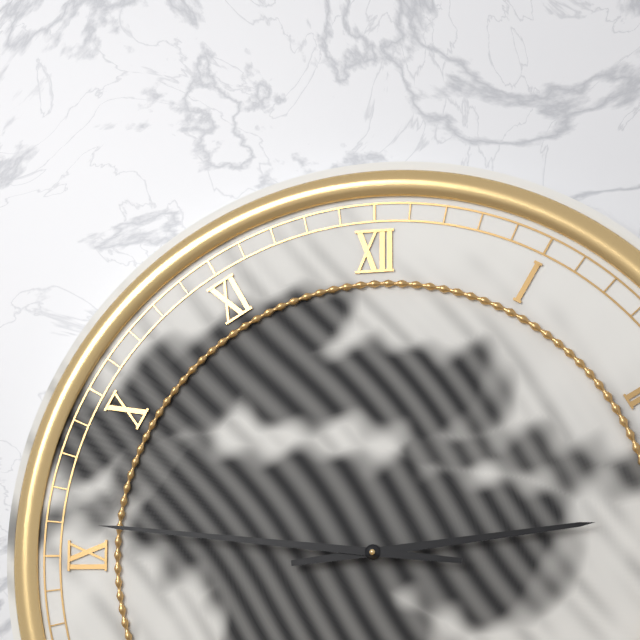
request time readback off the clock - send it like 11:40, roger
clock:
2:46
